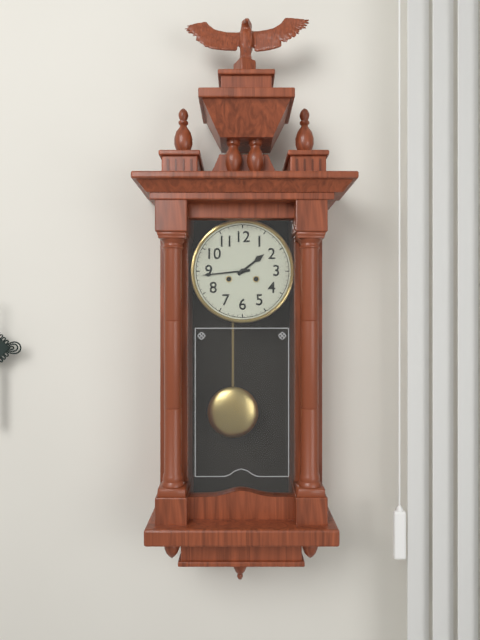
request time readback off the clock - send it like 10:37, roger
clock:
1:44
